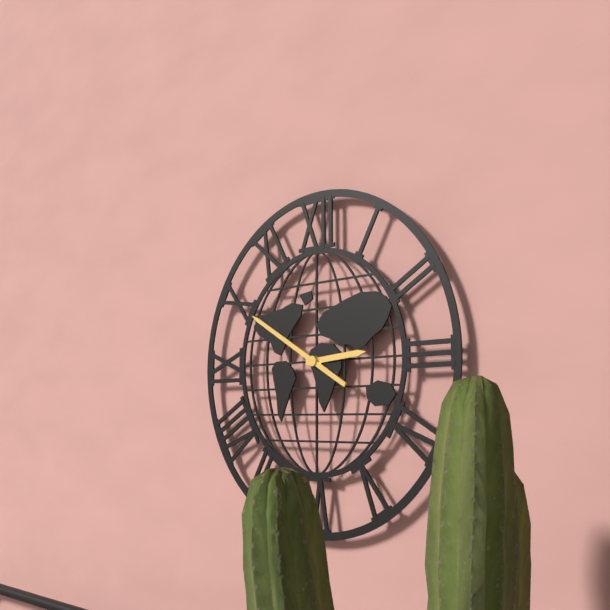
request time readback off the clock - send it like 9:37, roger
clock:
2:50
